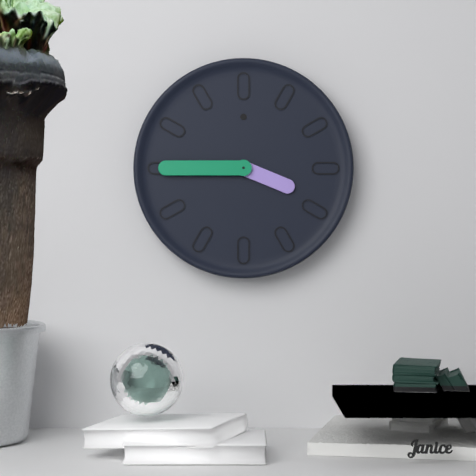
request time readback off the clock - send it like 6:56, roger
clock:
3:45
